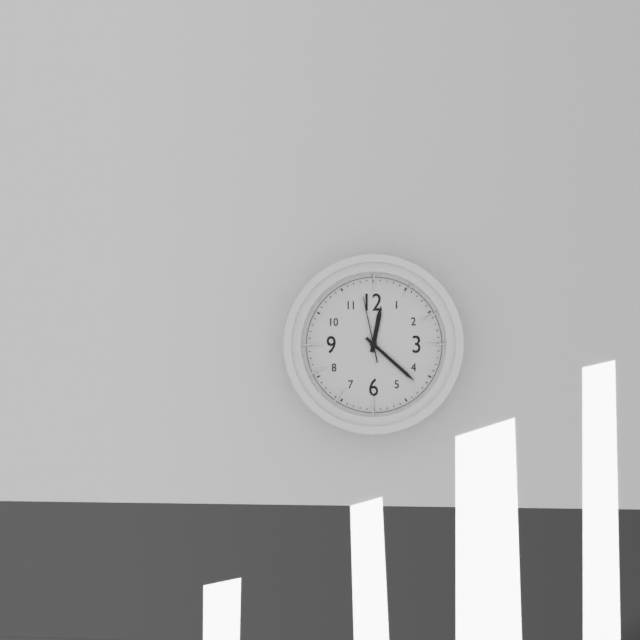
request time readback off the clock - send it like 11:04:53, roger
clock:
12:22:58
